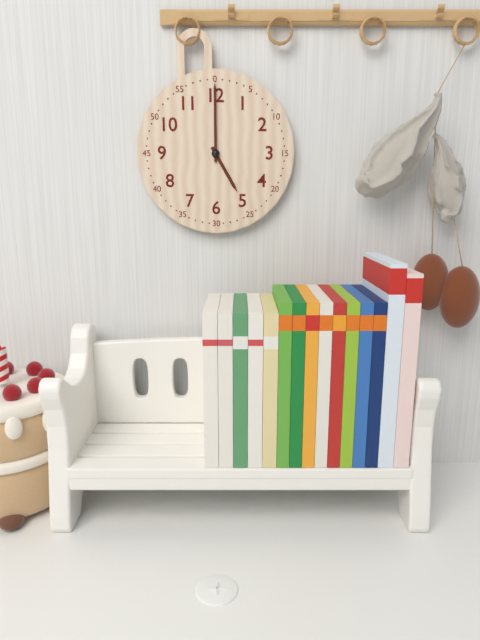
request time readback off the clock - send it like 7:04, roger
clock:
5:00
